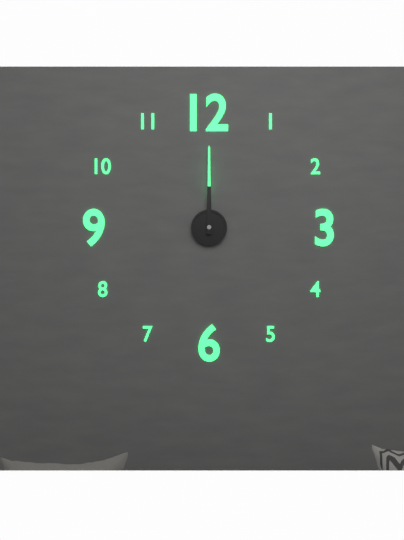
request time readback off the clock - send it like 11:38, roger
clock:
12:00
